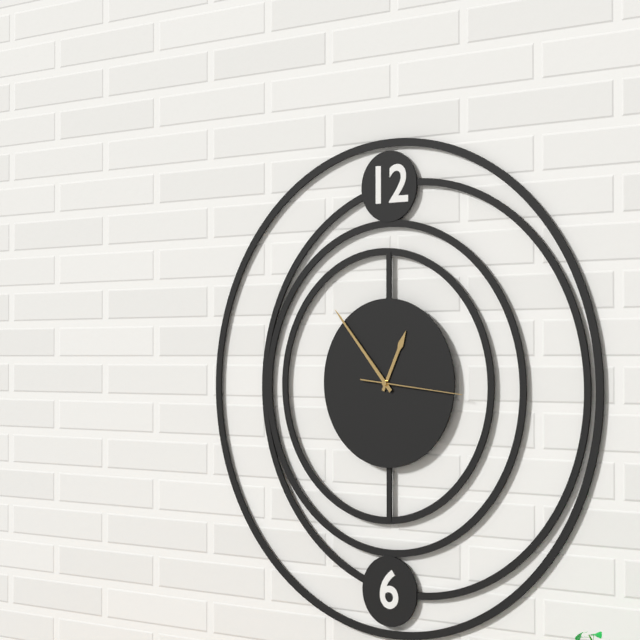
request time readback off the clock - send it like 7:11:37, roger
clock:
12:53:16
